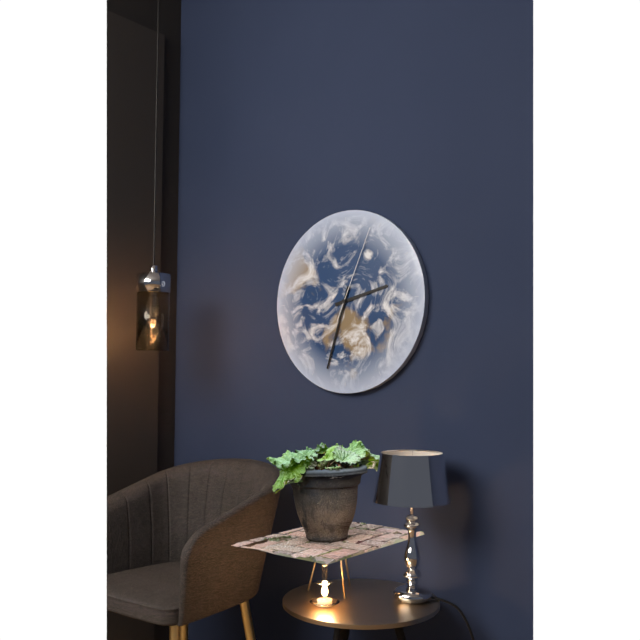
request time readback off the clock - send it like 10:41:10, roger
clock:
2:33:04
